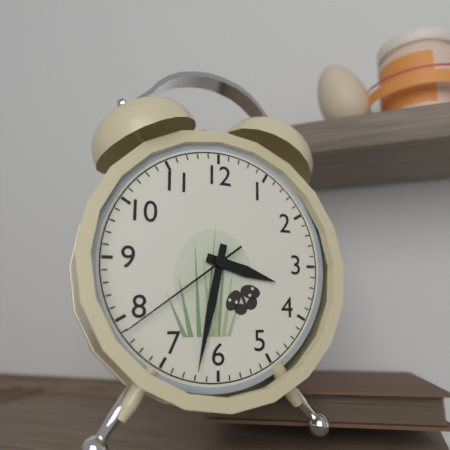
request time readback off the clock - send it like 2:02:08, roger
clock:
3:32:39
